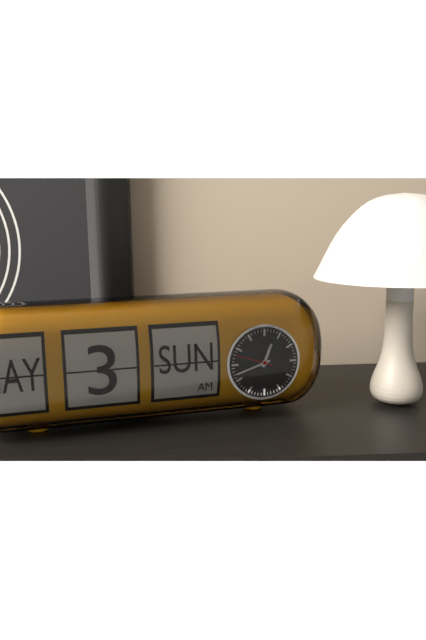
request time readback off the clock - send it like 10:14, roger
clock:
12:42
